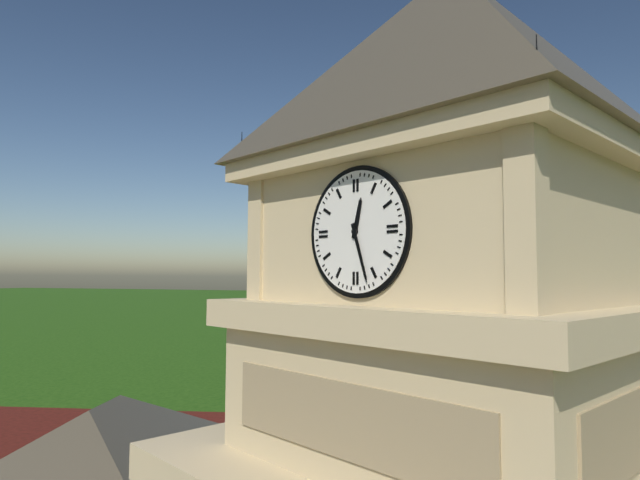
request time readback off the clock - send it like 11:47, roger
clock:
12:27
